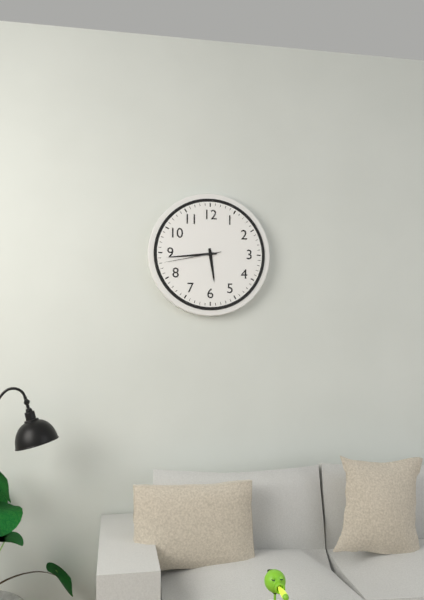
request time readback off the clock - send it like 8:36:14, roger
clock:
5:44:43
